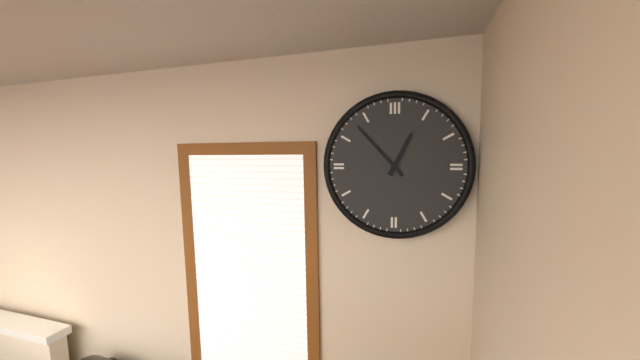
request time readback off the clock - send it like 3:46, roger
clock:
12:53
